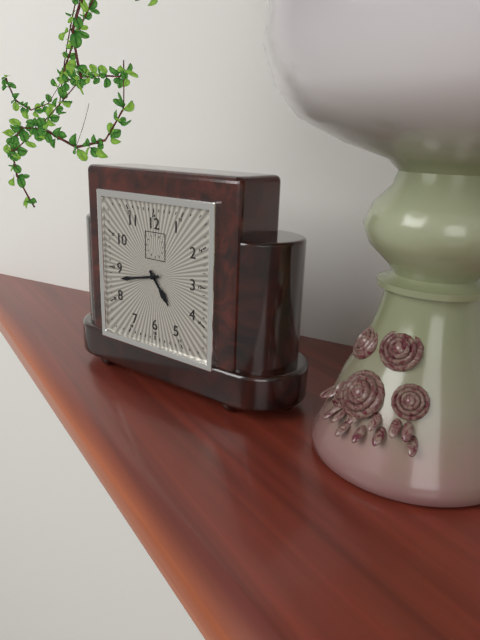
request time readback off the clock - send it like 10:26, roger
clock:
4:43
